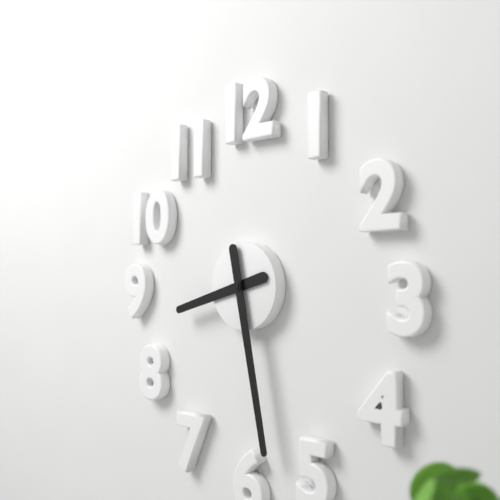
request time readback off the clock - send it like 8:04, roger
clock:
8:28
